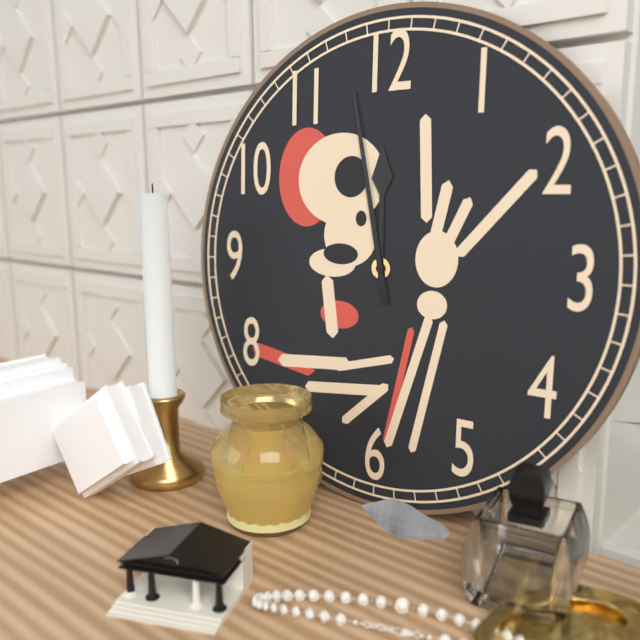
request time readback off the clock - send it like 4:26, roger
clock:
11:58
